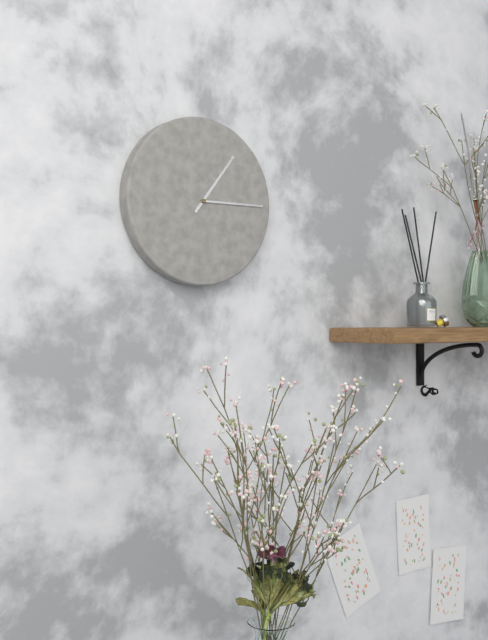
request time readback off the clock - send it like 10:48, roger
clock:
1:15
